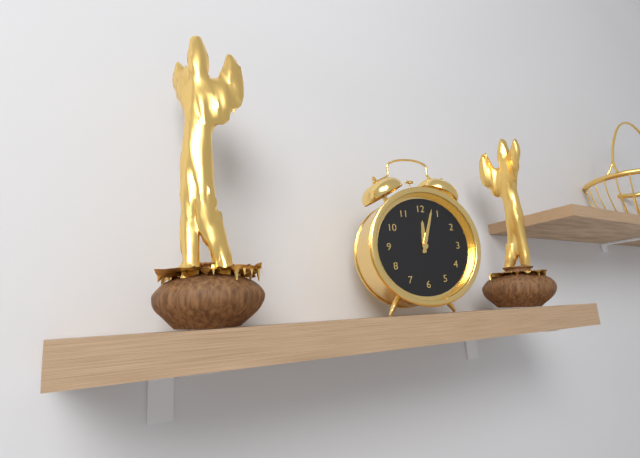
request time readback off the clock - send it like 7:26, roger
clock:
12:03
